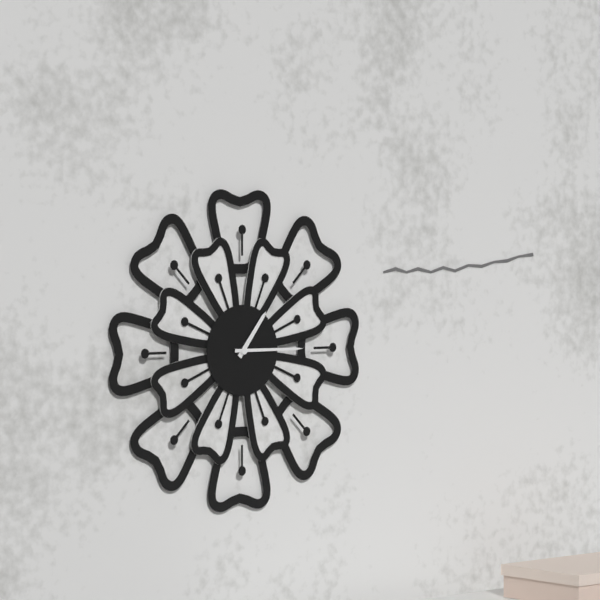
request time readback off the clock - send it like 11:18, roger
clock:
1:15
